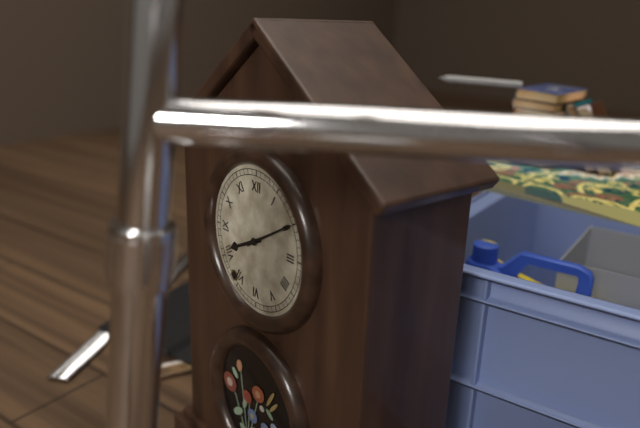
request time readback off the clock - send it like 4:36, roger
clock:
8:10
